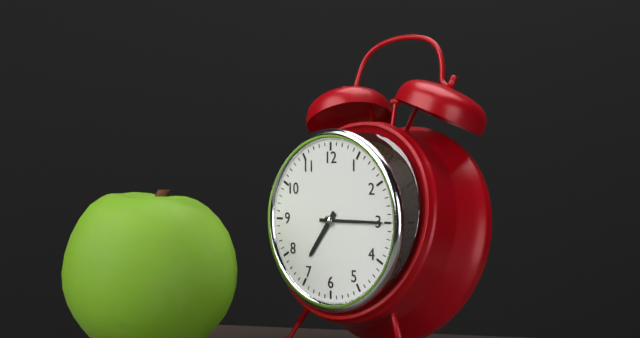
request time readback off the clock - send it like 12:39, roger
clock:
7:15
